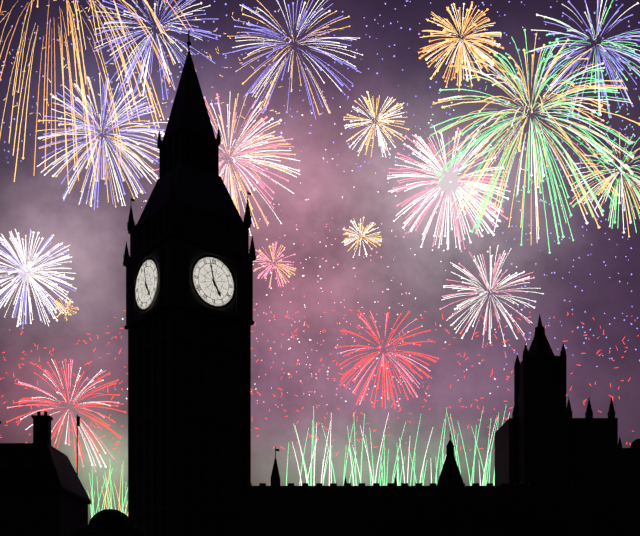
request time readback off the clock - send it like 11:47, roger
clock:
4:58
